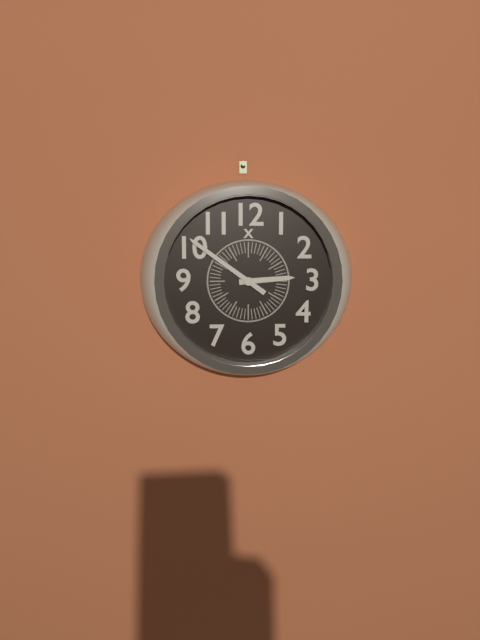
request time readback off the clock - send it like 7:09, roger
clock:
2:51
